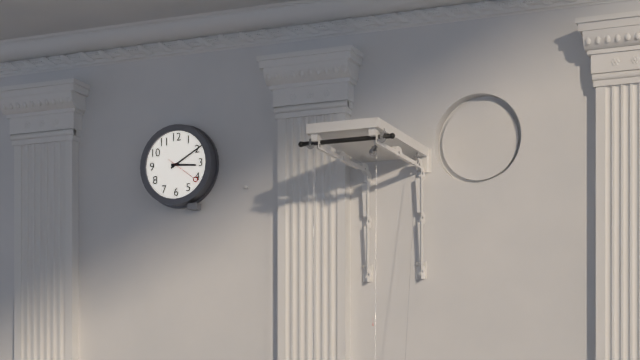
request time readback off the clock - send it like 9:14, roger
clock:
3:10
